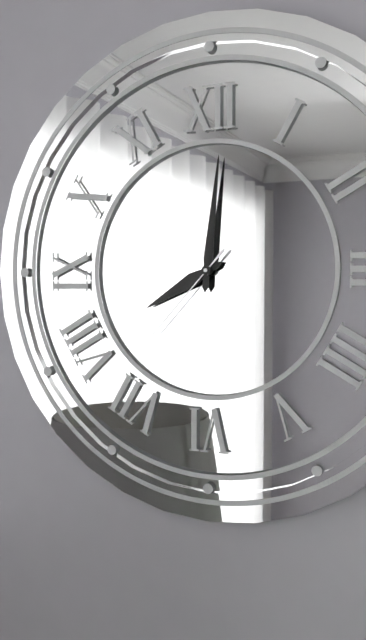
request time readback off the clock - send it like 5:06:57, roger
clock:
8:01:37
